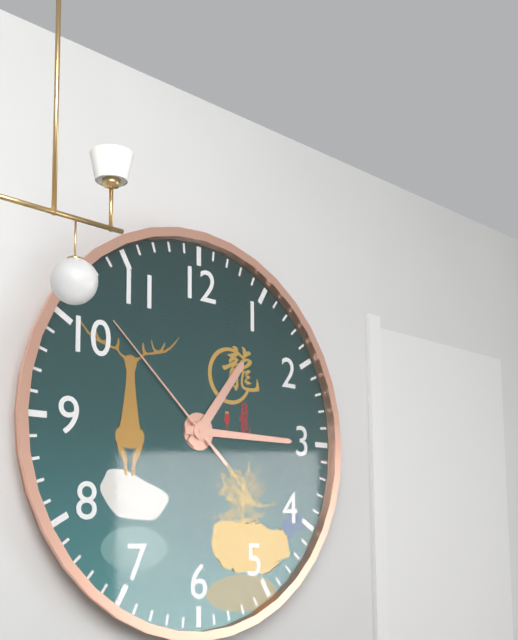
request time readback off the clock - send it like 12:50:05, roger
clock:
1:15:52
